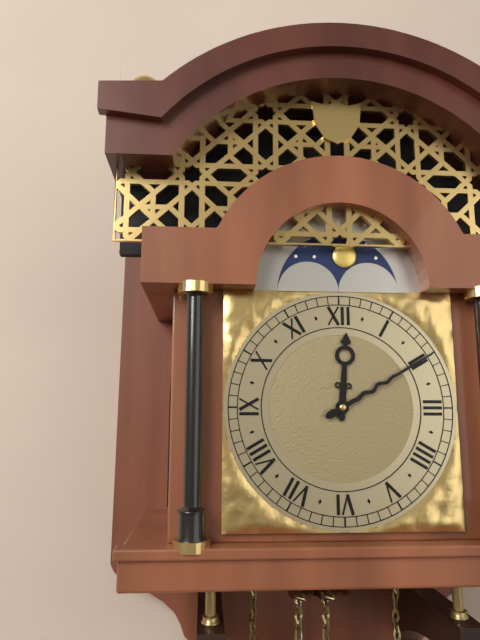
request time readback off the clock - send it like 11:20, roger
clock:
12:10
